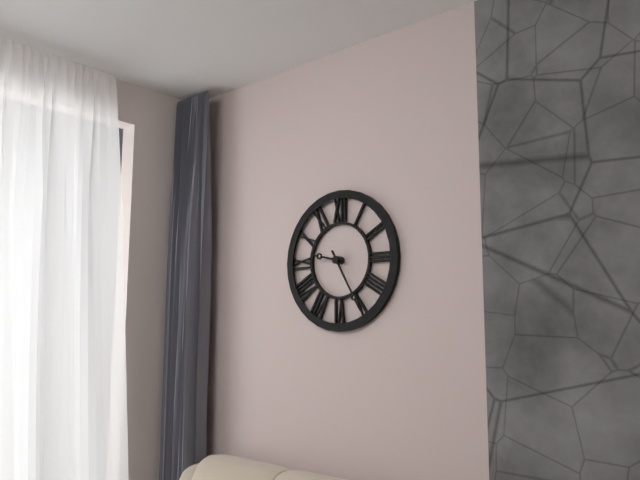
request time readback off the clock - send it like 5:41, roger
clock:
9:25
